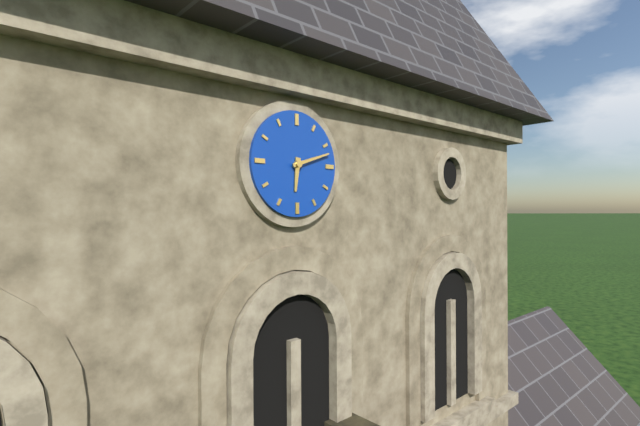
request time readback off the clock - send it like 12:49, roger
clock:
6:12
